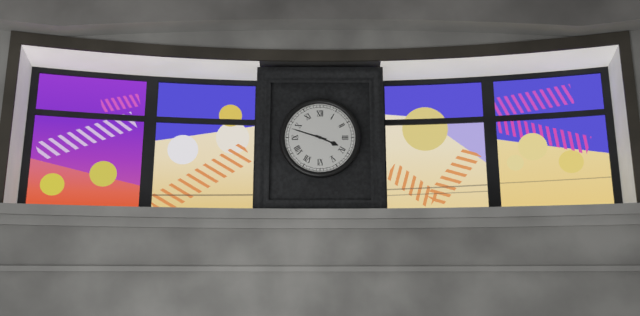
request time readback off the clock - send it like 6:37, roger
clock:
3:48
